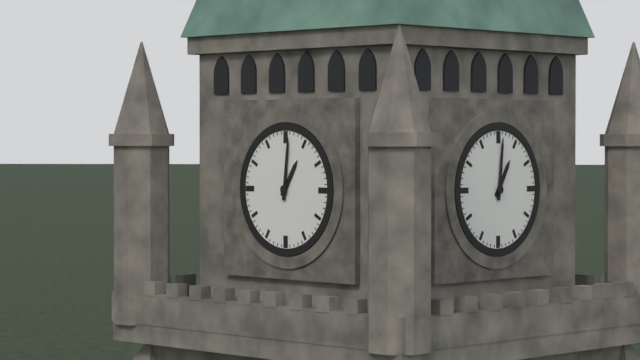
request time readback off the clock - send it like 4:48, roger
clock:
1:01
